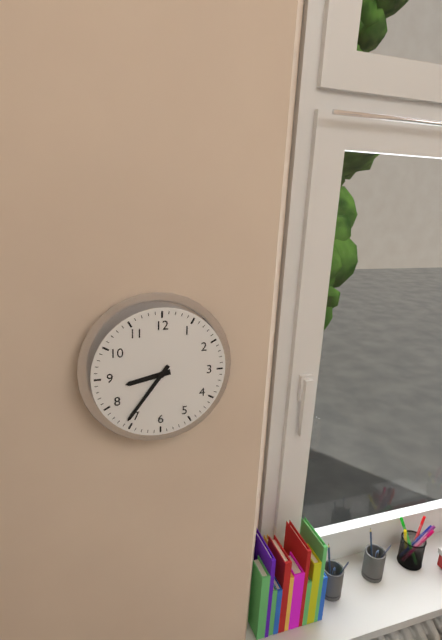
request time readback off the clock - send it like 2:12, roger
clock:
8:36
